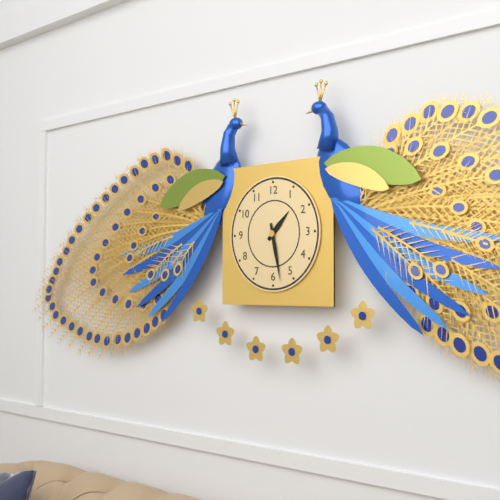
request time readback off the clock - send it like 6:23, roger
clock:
1:28
